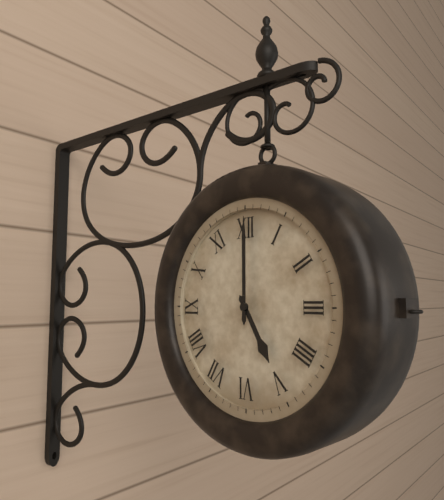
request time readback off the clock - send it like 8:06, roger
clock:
5:00
